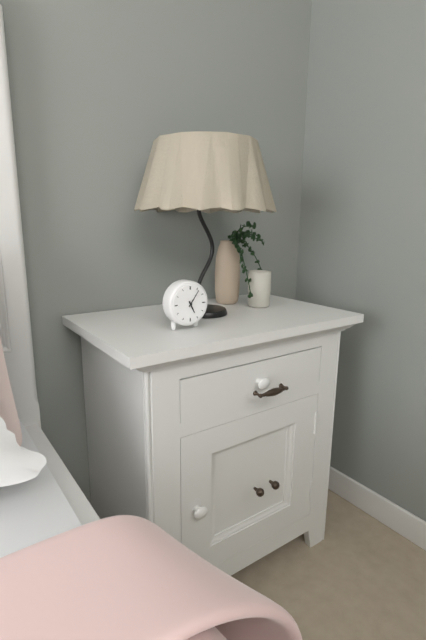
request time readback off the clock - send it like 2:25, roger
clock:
5:06
